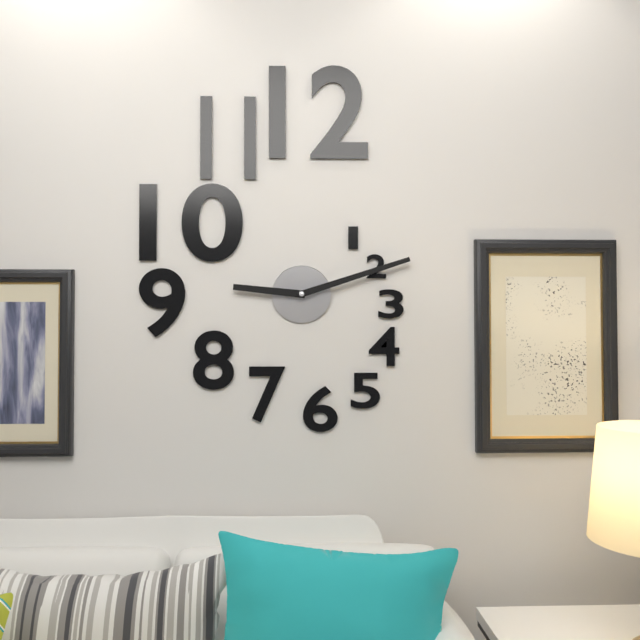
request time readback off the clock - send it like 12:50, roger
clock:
9:12
